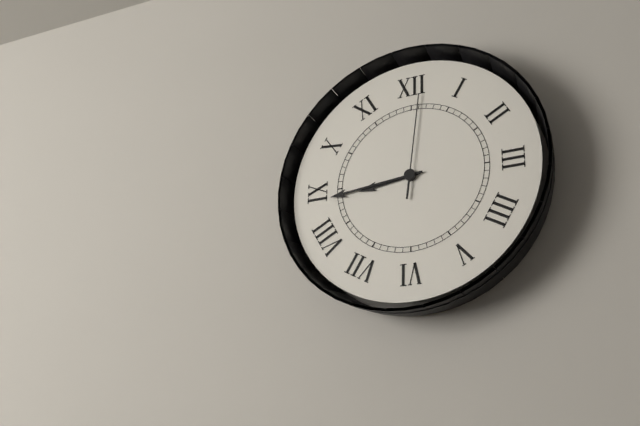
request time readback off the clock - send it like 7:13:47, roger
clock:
8:44:01
